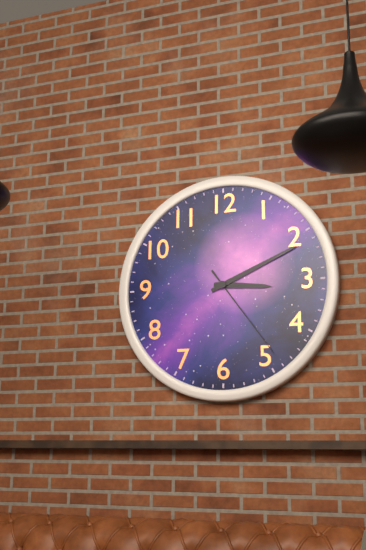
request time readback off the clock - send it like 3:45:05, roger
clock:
3:11:24
